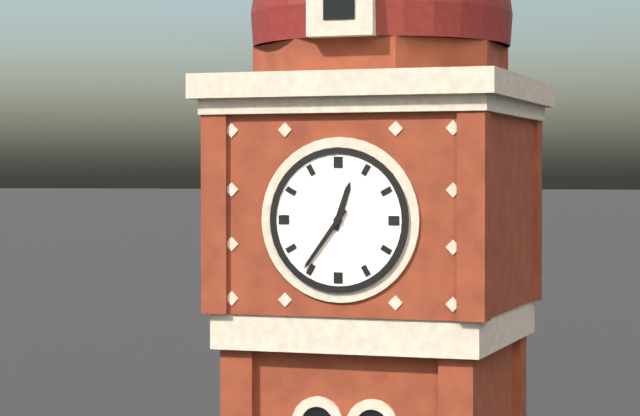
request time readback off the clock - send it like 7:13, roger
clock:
12:36
